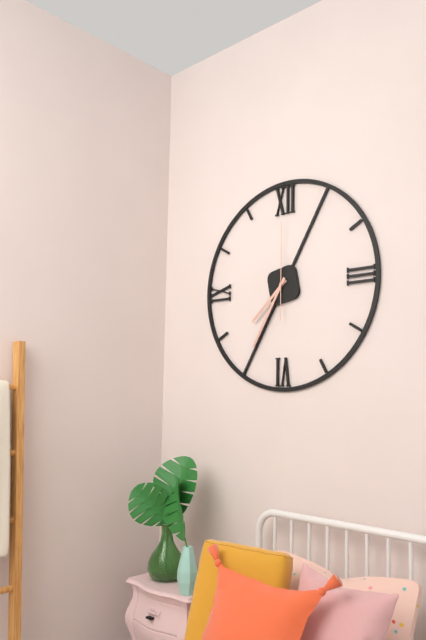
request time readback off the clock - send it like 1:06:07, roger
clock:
7:35:00
